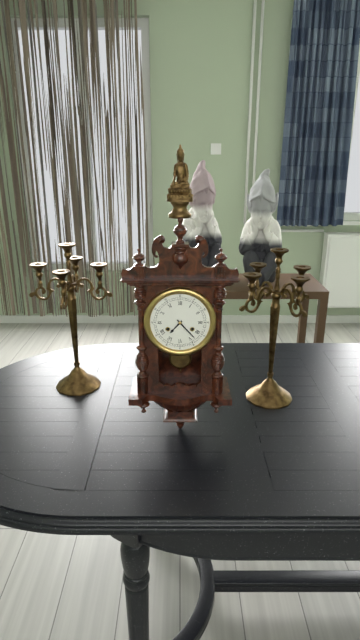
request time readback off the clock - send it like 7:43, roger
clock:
7:23
